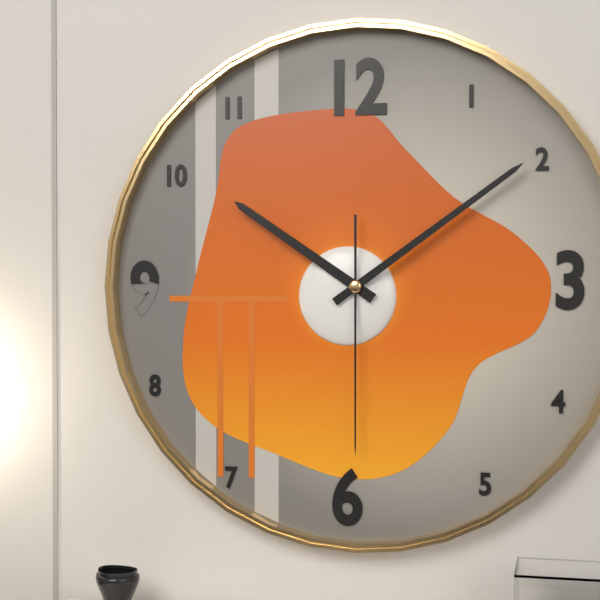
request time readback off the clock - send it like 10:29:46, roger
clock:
10:09:30
